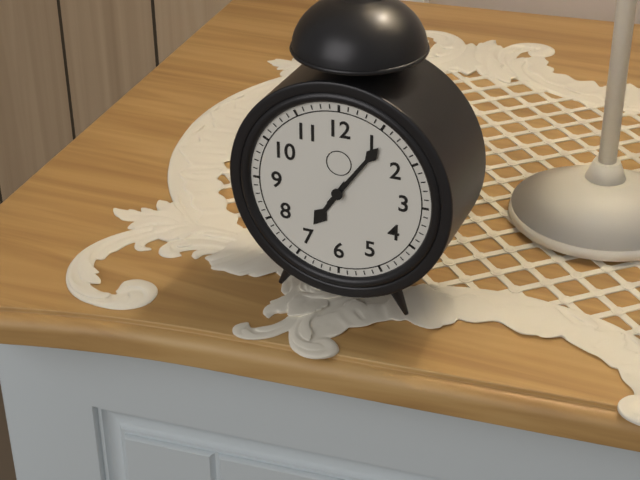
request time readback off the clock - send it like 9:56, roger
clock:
7:06
